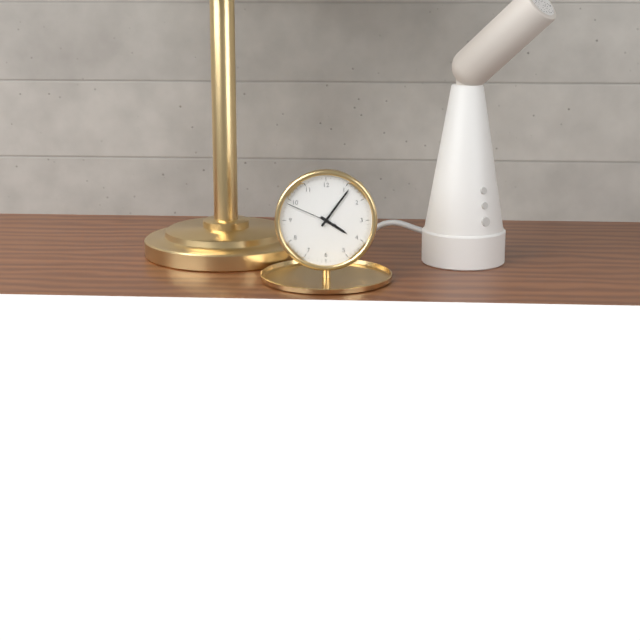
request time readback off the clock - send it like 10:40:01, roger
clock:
4:06:49
